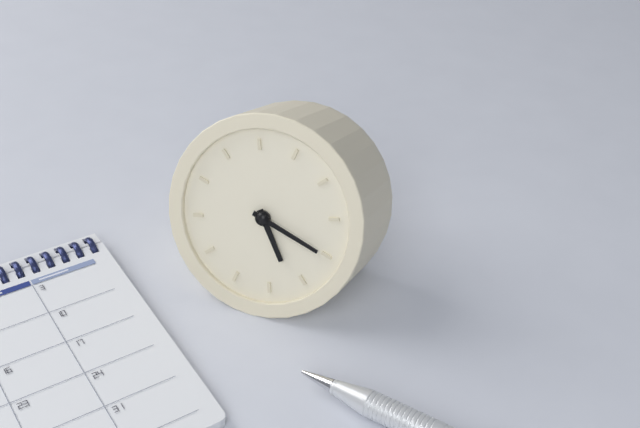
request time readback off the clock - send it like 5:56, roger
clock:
5:20
